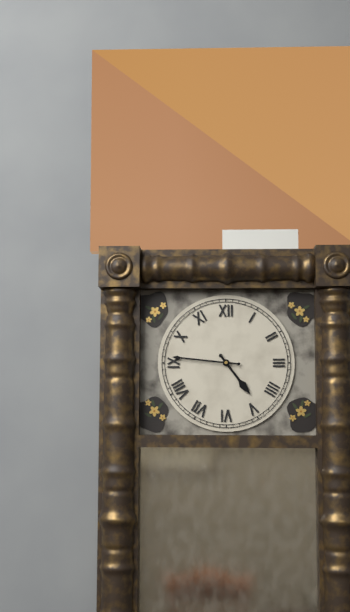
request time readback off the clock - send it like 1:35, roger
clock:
4:46
